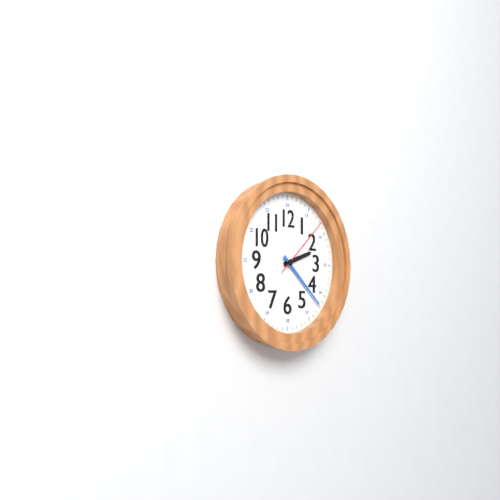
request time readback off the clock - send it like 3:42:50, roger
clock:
2:22:08
